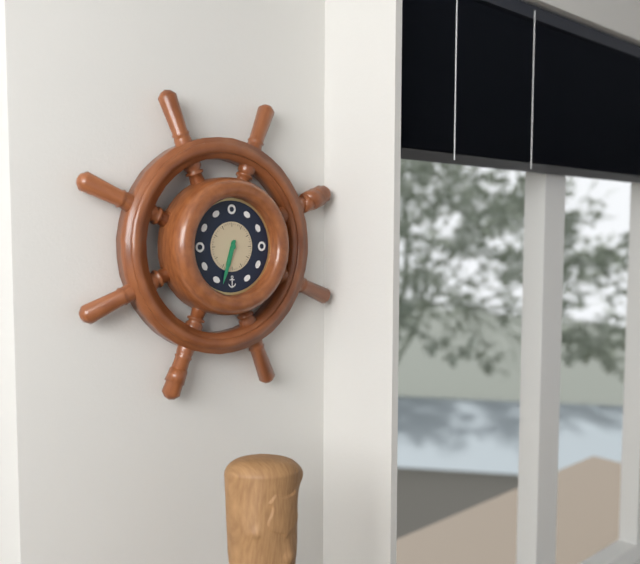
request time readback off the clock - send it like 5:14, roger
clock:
6:33
